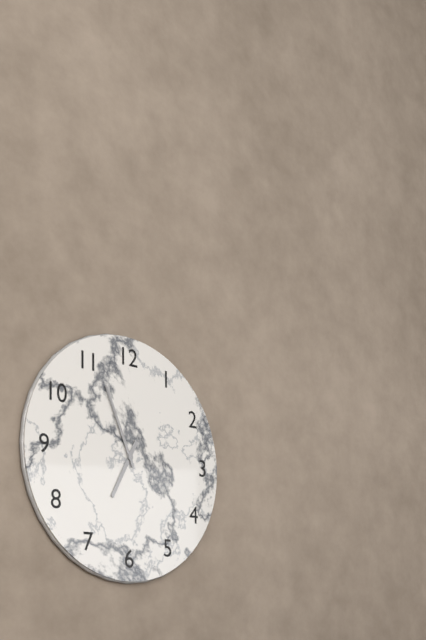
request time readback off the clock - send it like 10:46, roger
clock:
6:56
